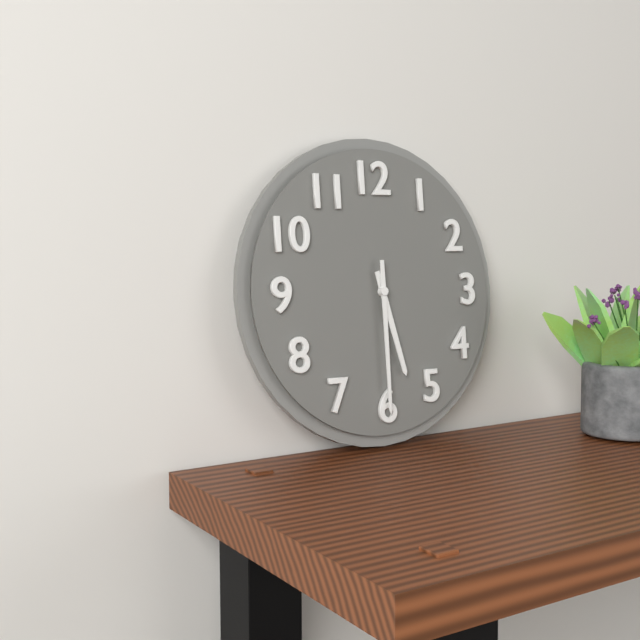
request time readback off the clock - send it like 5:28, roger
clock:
5:30
